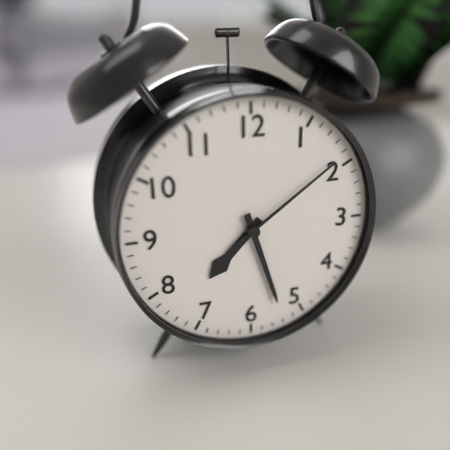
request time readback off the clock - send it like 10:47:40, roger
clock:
7:27:09
